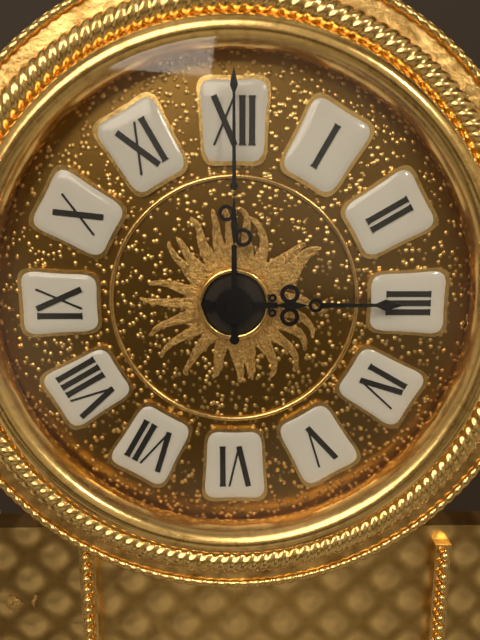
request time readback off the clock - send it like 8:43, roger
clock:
3:00
